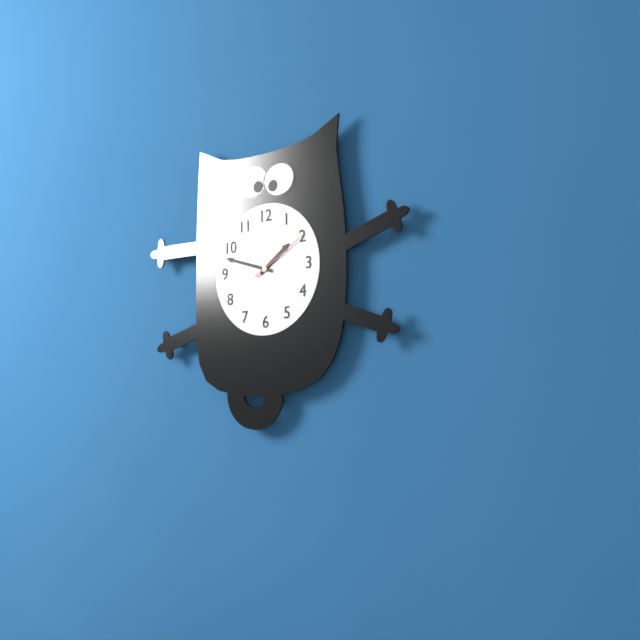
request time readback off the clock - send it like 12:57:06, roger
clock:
1:48:10
